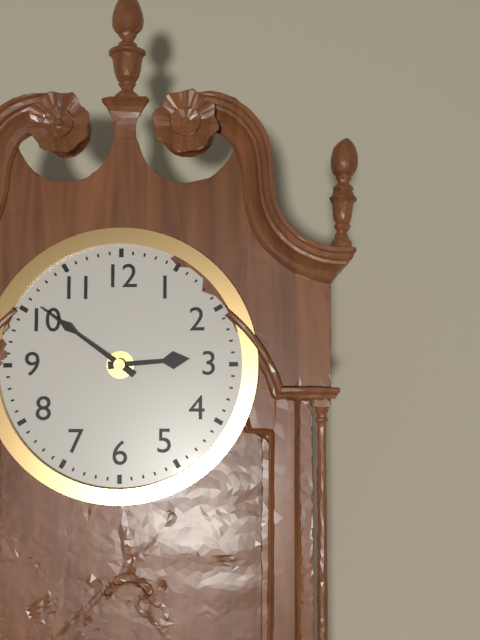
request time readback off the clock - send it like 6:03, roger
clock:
2:51
